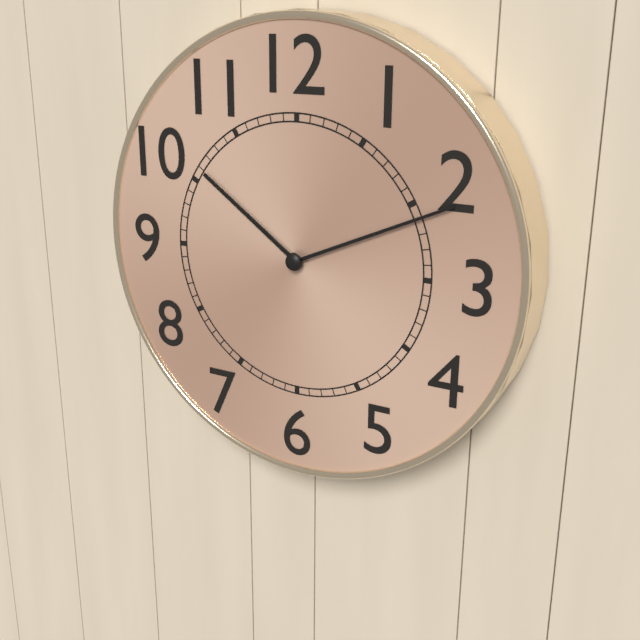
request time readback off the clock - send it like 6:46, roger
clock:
10:11
